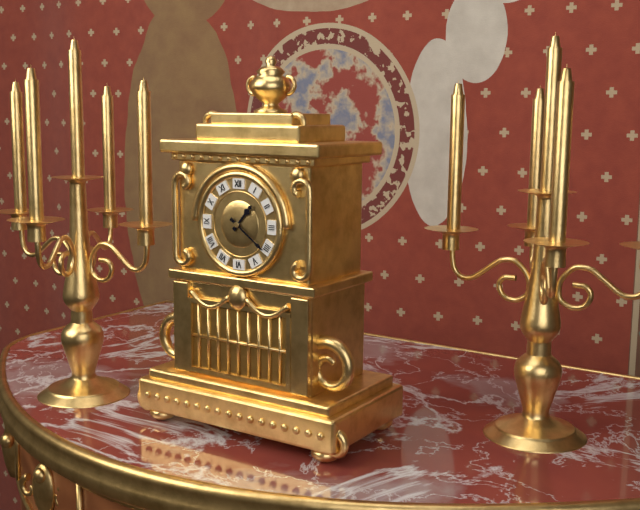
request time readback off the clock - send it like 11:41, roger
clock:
1:21
